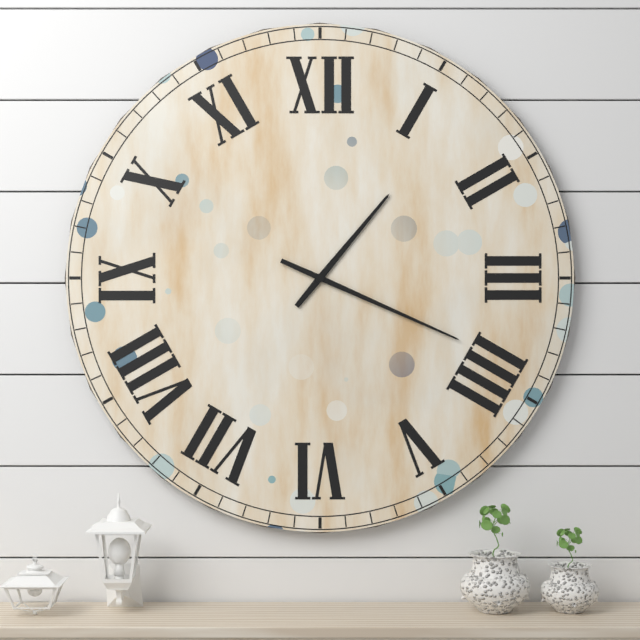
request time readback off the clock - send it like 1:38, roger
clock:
1:19
